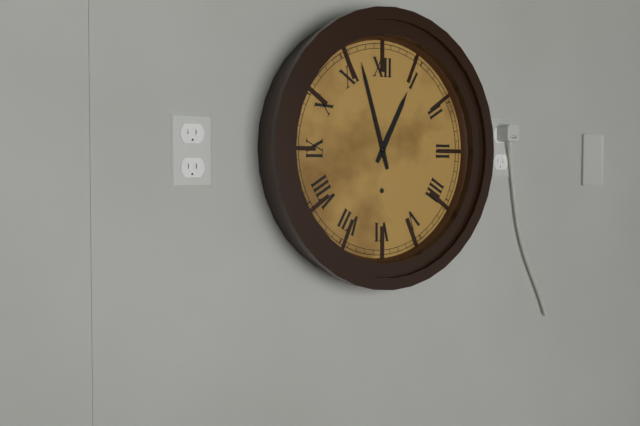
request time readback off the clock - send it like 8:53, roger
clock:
12:57
